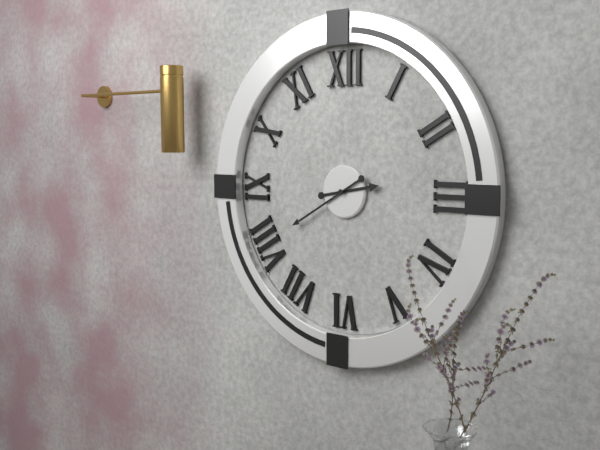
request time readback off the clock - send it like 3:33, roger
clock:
2:40
